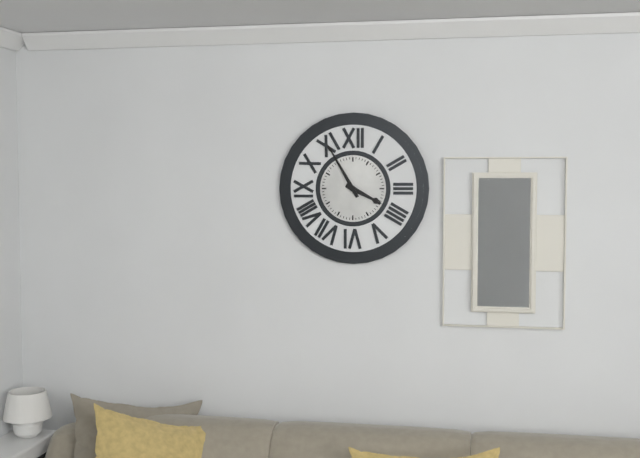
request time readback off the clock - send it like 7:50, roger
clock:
3:55
